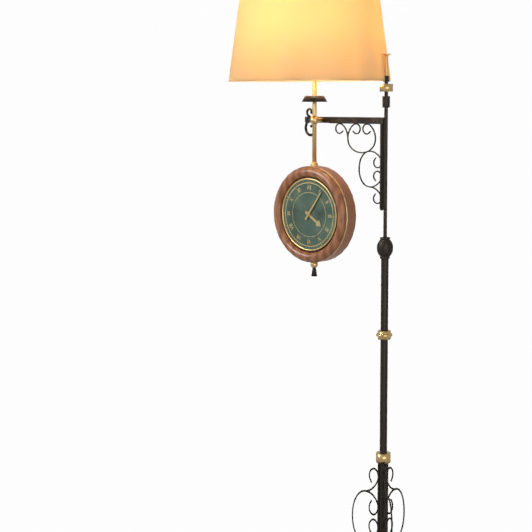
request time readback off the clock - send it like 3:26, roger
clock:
4:06
